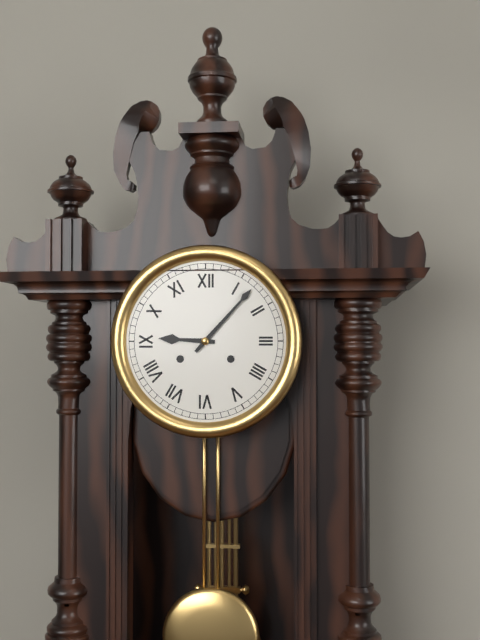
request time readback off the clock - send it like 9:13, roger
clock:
9:07
